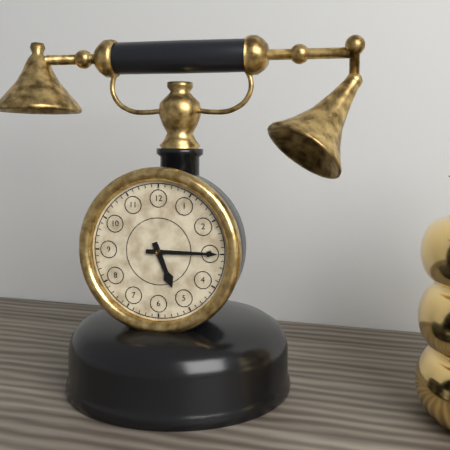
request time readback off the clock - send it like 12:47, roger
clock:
5:15
